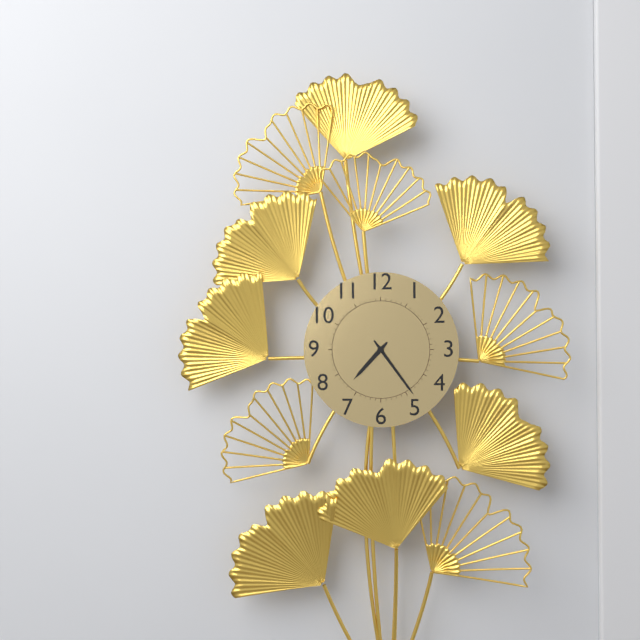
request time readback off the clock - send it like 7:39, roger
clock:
7:24
